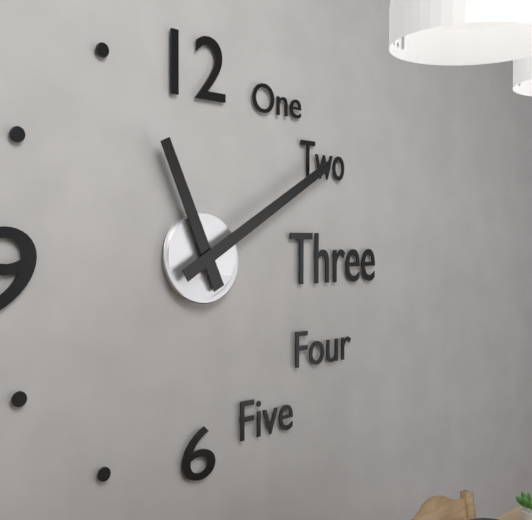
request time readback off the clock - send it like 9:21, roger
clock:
11:10
